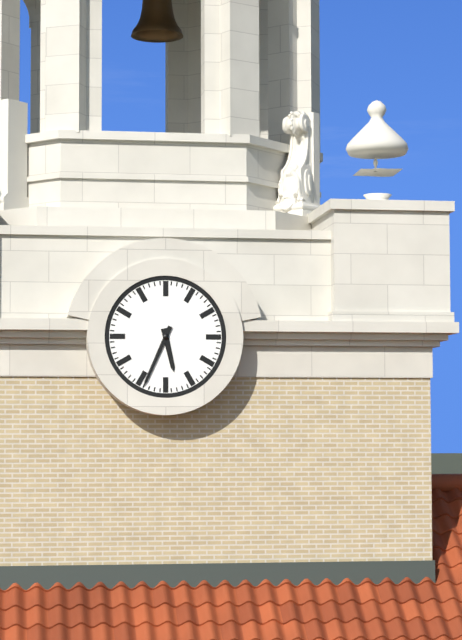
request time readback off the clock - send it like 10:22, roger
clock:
5:34
